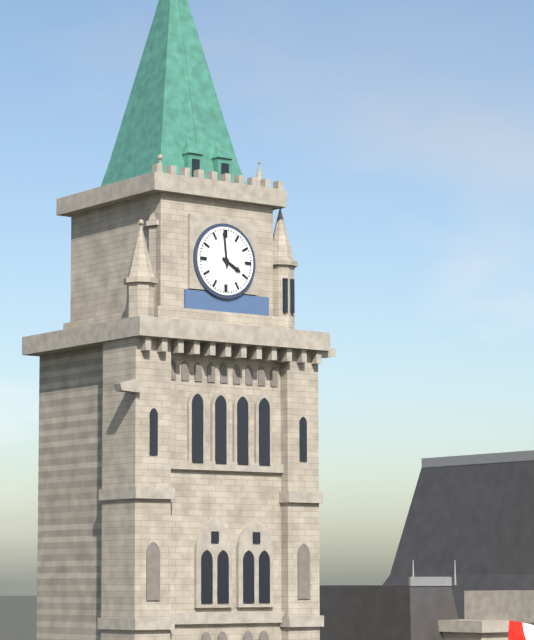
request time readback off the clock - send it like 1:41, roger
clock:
3:59
